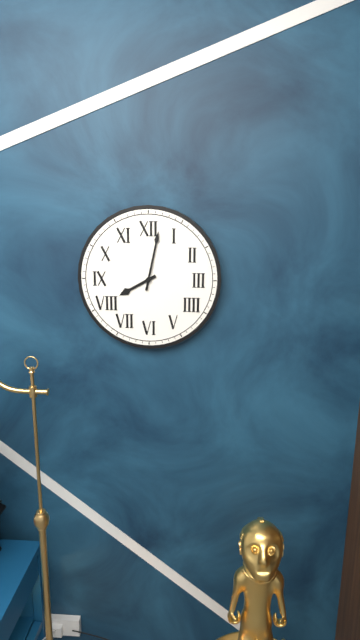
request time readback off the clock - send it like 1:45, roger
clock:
8:02
